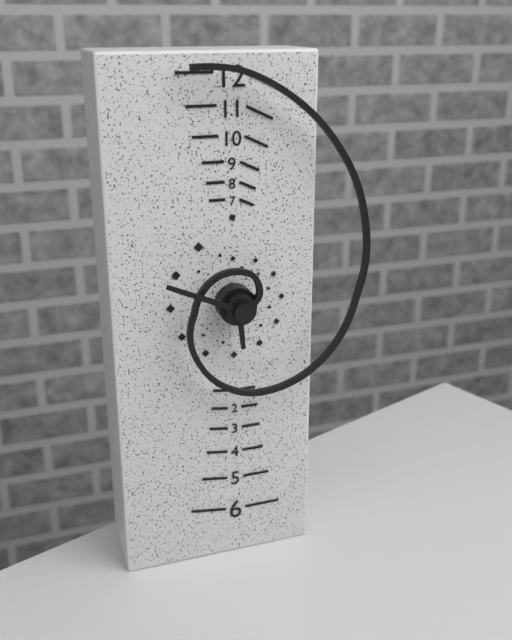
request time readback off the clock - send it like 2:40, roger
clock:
5:49
